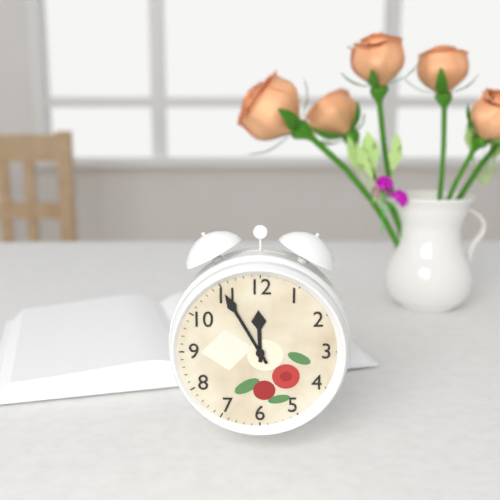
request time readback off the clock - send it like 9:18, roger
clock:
11:55
